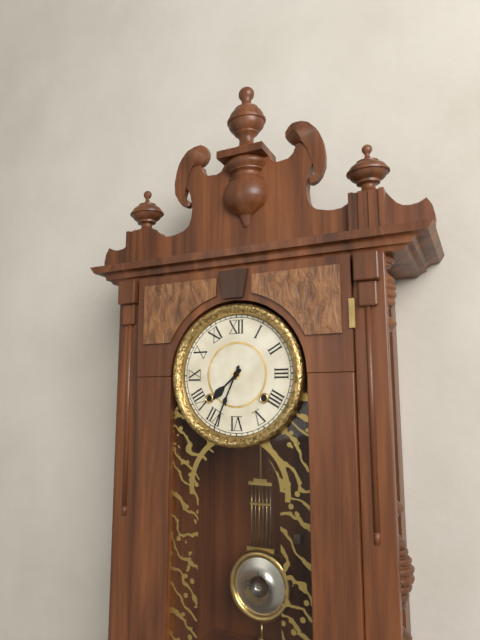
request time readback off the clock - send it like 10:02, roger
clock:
7:34
